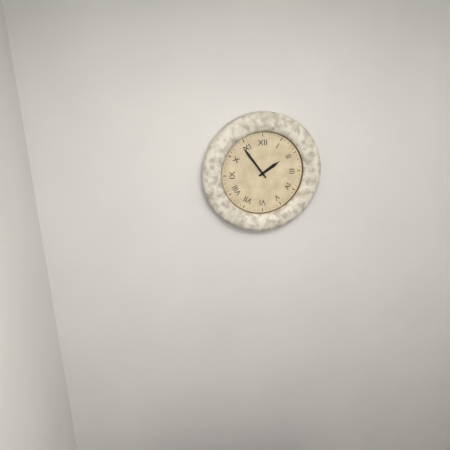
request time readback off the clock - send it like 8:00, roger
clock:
1:54
